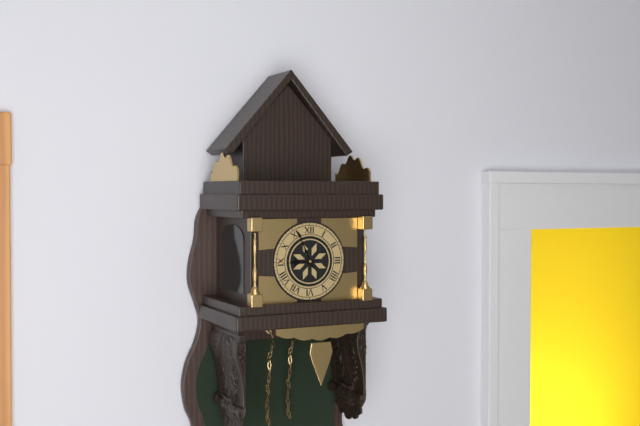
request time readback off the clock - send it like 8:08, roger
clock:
8:56
